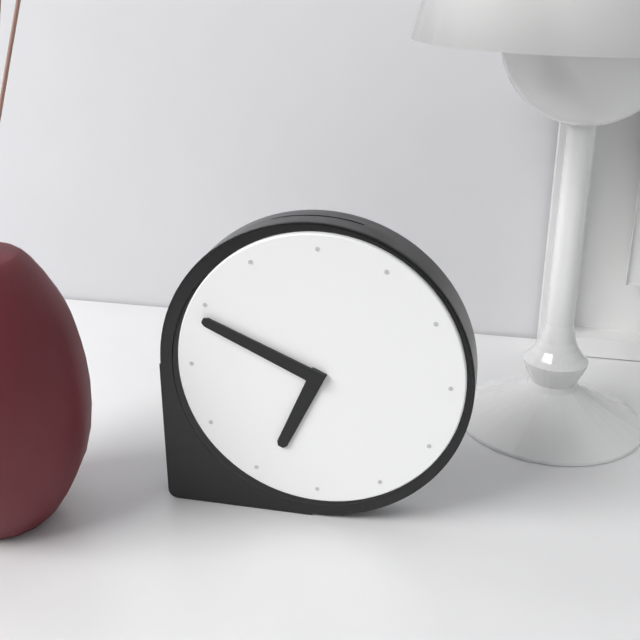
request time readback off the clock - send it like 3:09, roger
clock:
6:49
